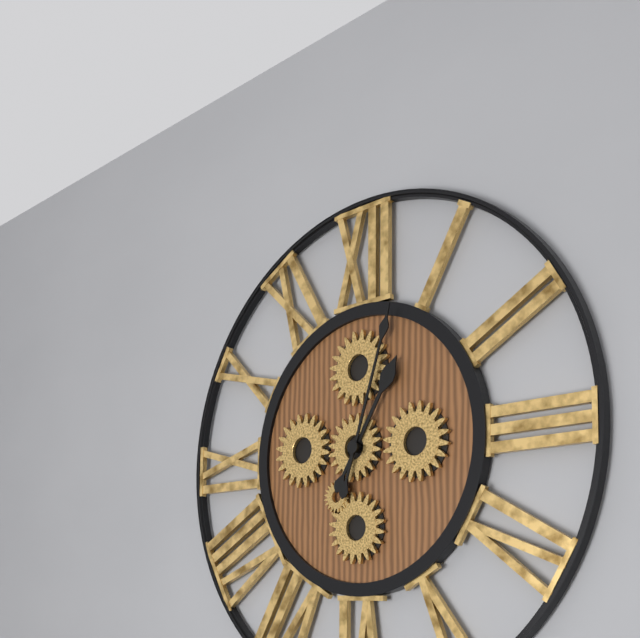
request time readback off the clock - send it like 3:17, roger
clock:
1:03
